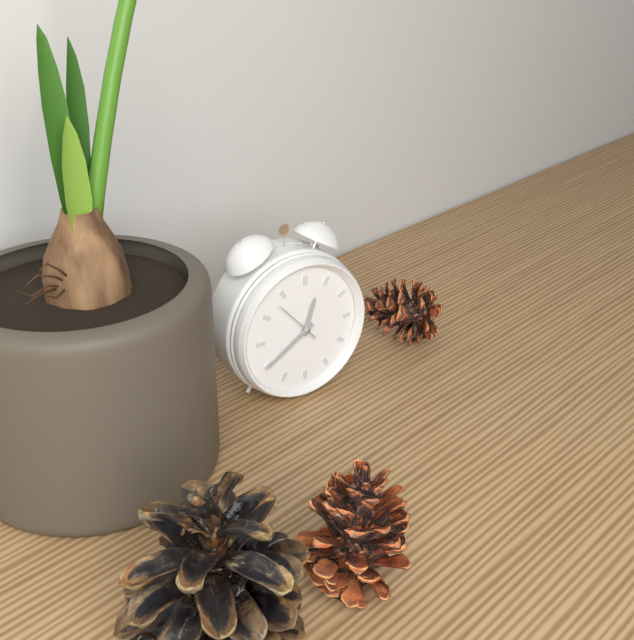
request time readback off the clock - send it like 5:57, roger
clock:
12:40
